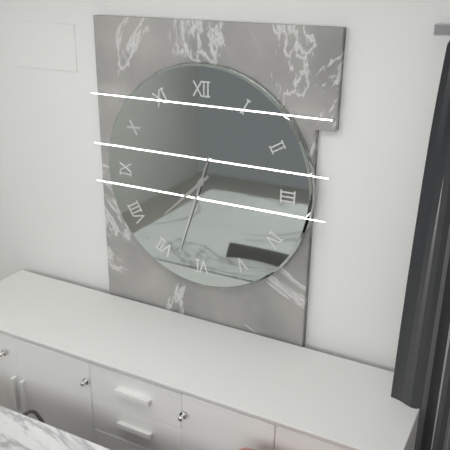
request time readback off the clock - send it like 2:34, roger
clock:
7:33
